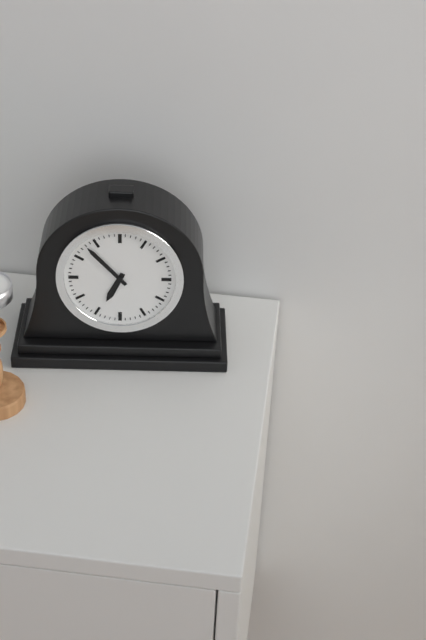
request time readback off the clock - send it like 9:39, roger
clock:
6:53
